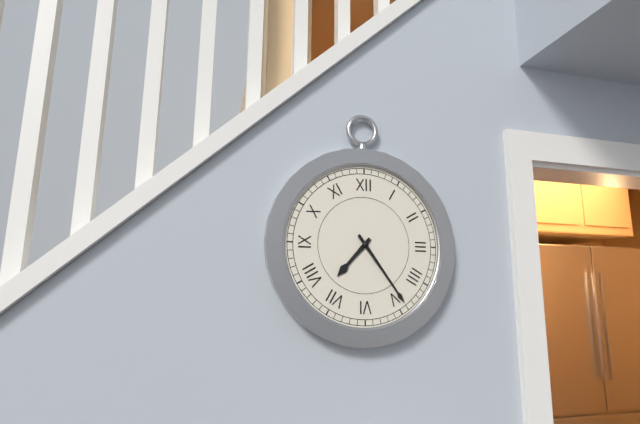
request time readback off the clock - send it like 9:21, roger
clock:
7:24
